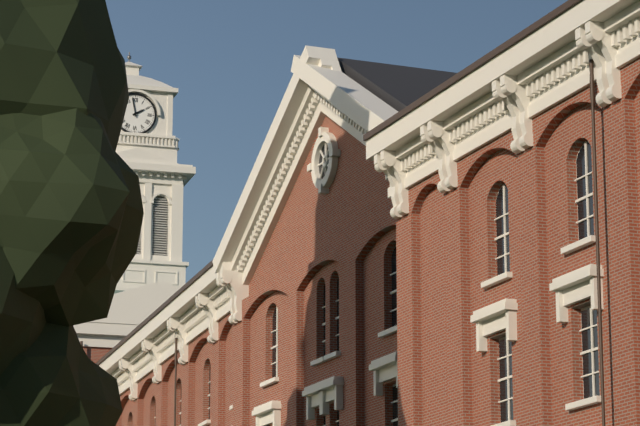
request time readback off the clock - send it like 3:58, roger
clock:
1:58
